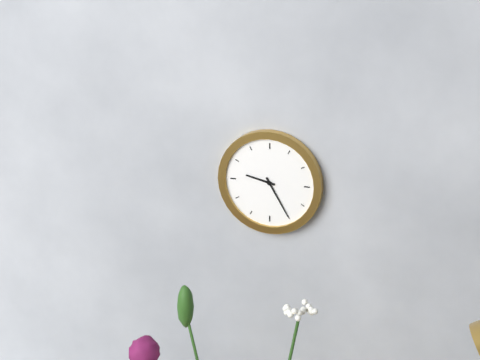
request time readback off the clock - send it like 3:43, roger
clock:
9:25
